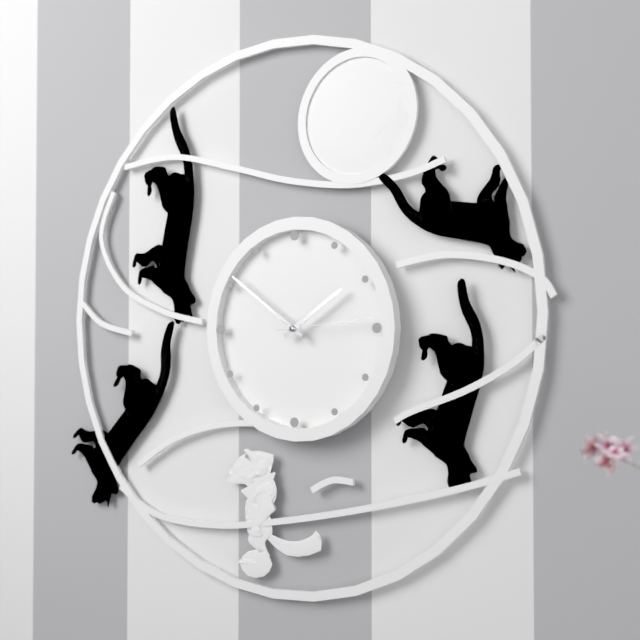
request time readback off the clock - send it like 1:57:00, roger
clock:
1:51:14
